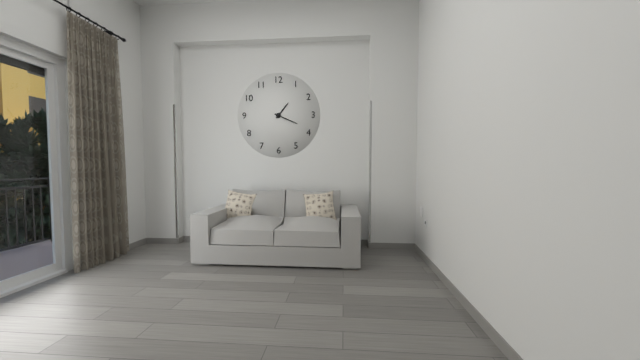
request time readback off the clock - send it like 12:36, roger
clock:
1:19
